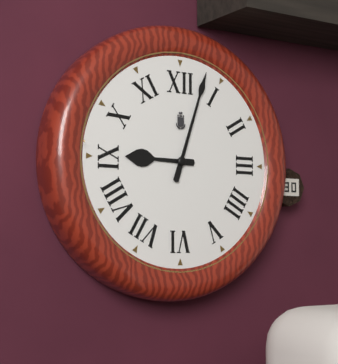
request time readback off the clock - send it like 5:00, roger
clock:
9:03
